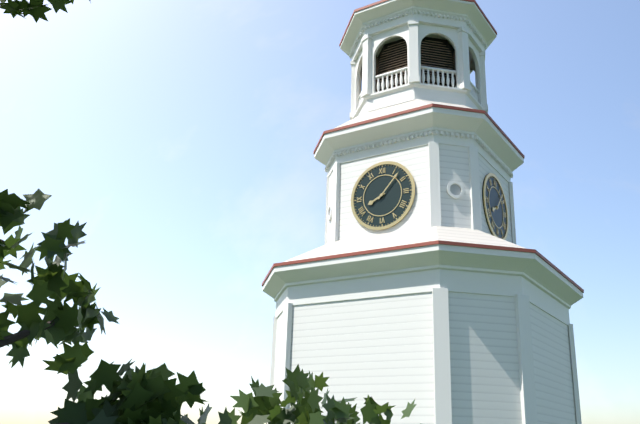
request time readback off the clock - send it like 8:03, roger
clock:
8:07
